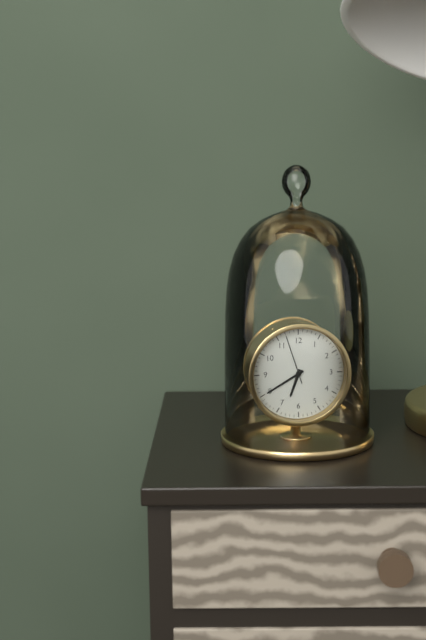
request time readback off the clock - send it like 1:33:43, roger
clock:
6:40:57
